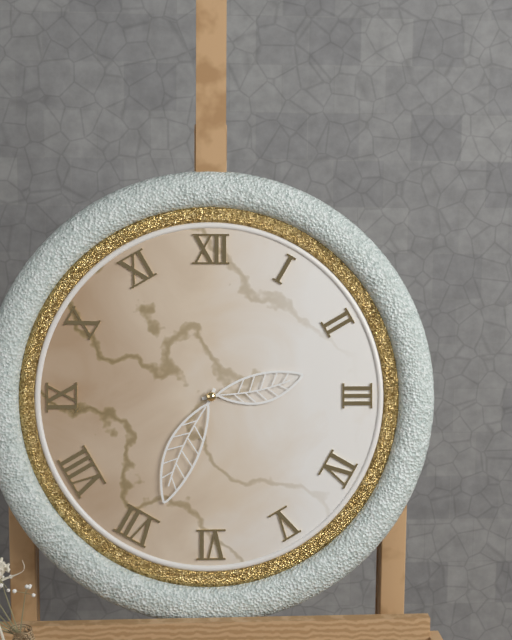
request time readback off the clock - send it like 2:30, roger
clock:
2:34
